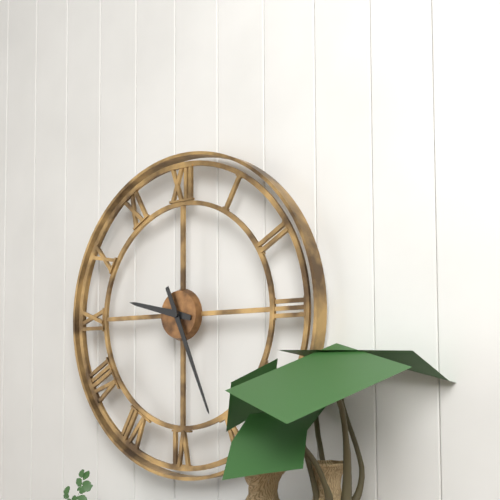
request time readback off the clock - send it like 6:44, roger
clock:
9:26
